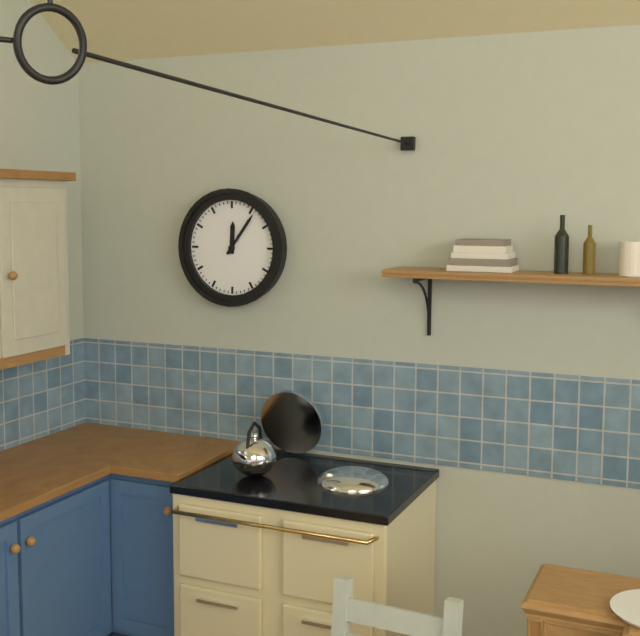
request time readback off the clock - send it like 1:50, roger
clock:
12:06
